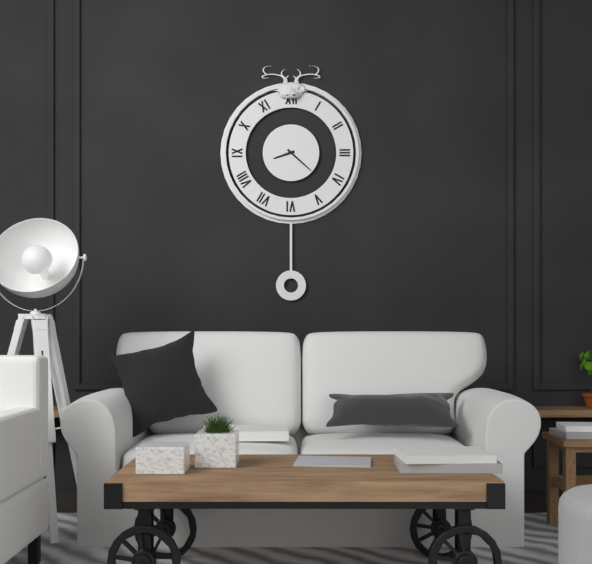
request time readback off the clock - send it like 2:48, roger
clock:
8:22
